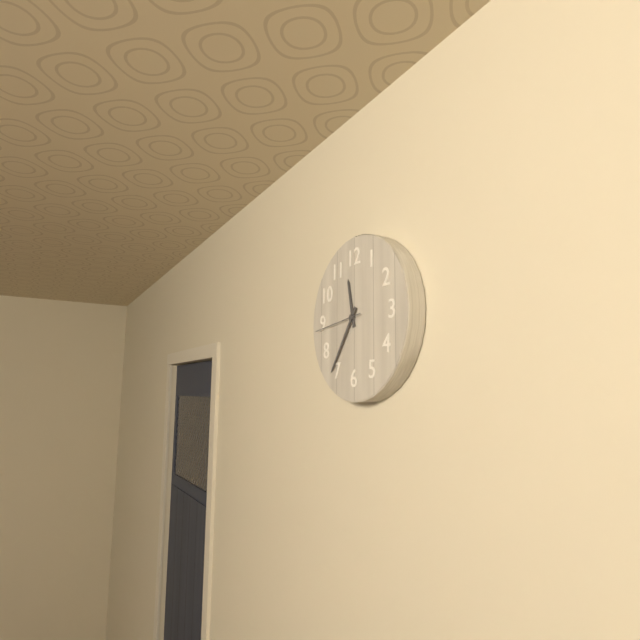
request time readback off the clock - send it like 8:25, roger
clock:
11:36
